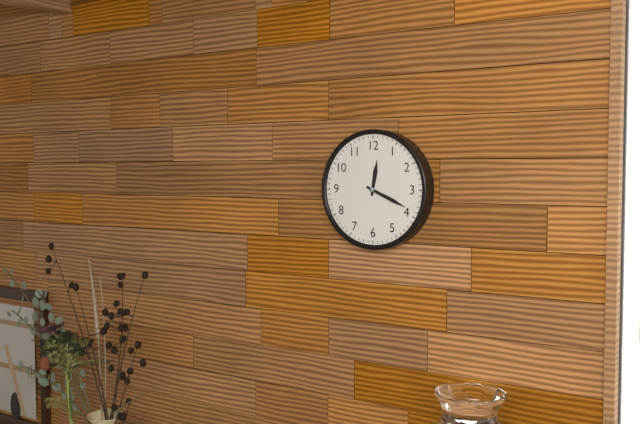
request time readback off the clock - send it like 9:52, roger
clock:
12:19
